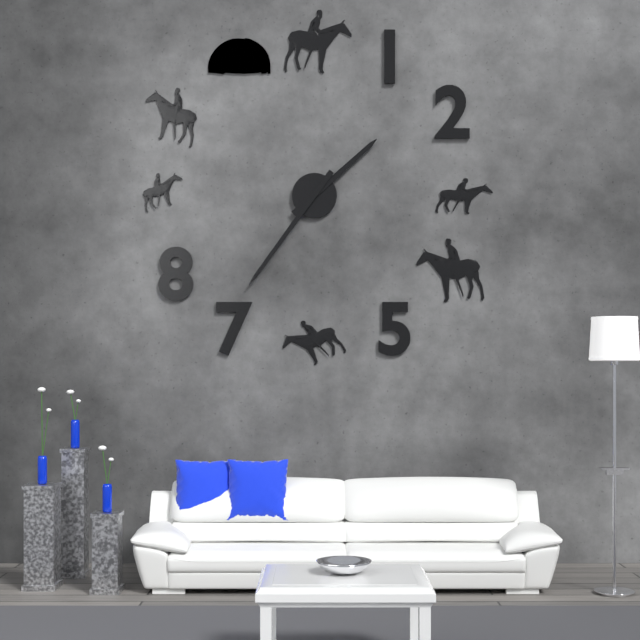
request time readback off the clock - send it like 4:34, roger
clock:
1:36
